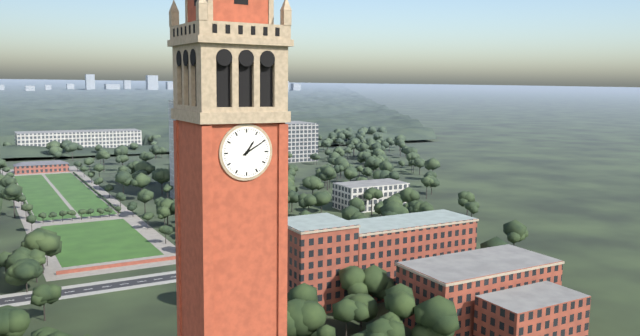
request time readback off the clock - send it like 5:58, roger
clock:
1:10
